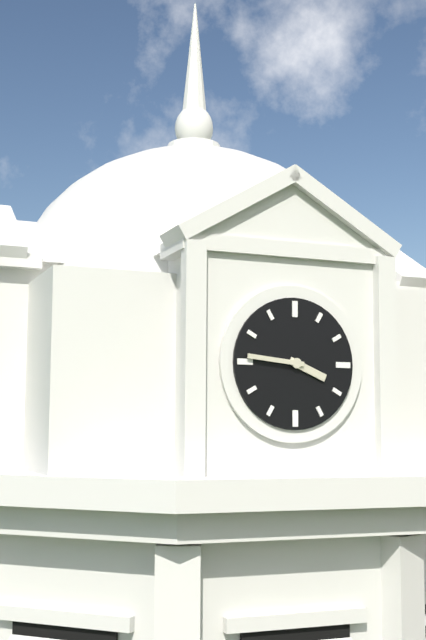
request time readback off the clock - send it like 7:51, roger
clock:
3:46
